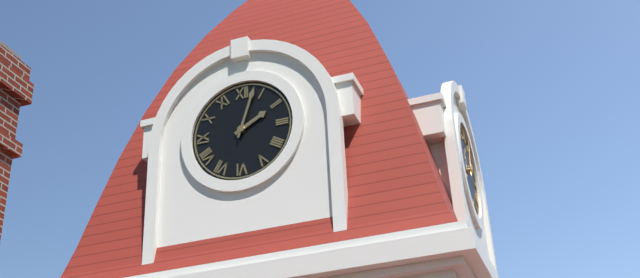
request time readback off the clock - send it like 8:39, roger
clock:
2:03
